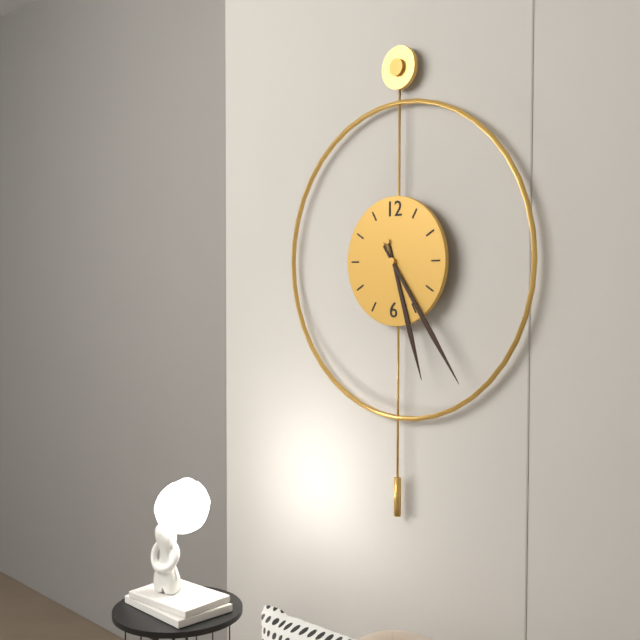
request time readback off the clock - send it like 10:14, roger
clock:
5:24
